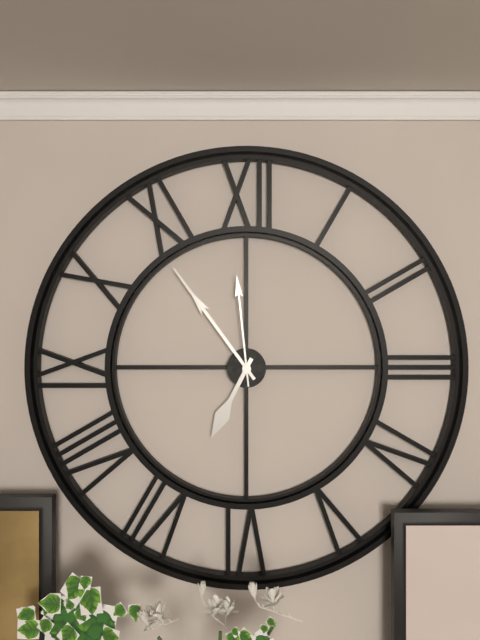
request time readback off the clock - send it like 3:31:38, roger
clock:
6:54:59
